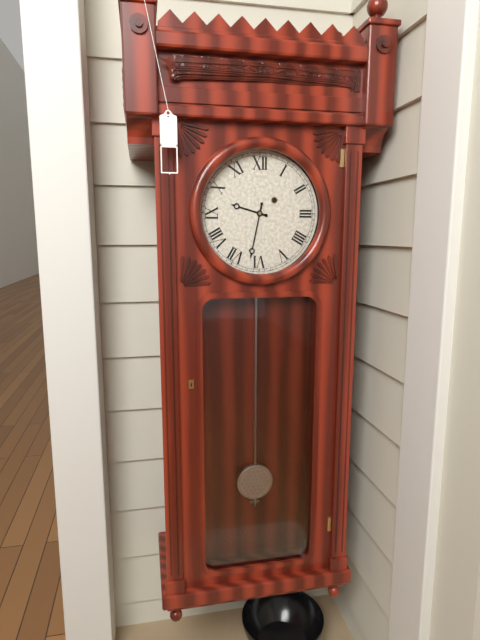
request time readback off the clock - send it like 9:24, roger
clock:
9:32
